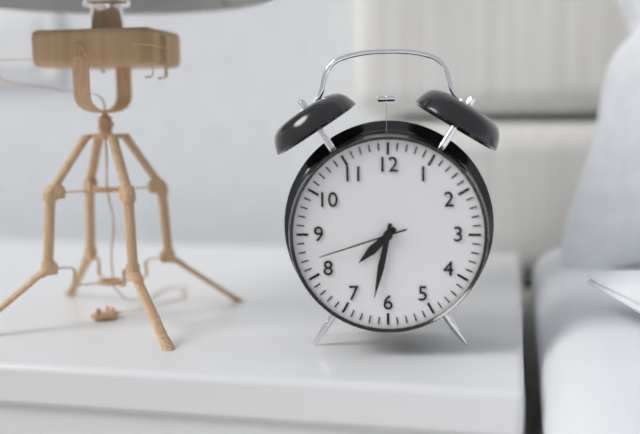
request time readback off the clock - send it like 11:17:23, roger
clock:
7:32:42
